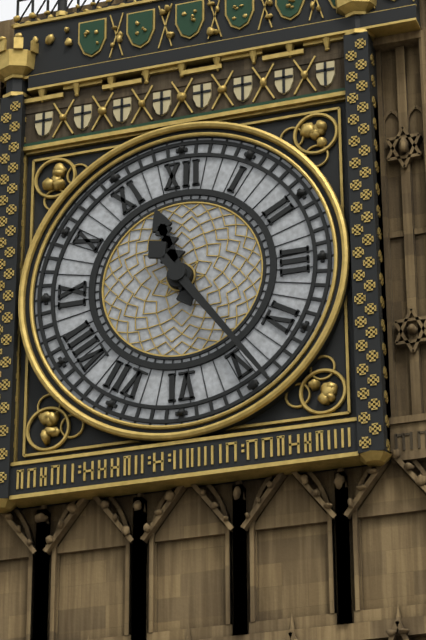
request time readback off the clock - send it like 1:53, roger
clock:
11:24
